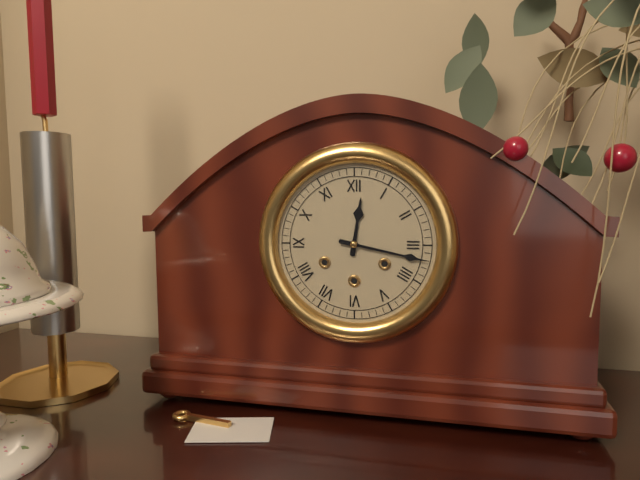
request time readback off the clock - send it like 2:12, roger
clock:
12:17
